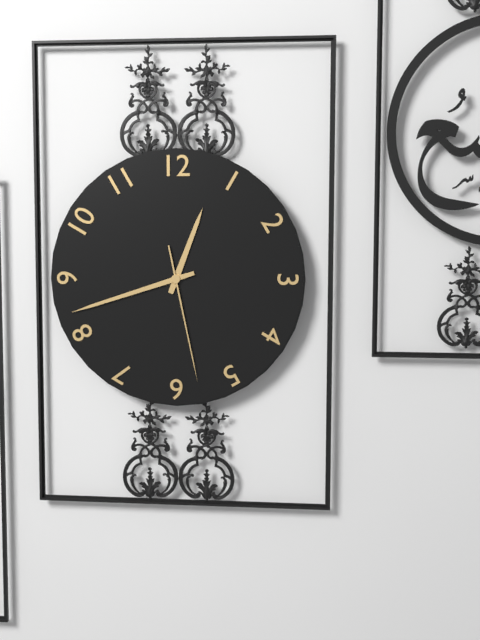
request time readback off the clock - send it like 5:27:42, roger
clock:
12:42:28
